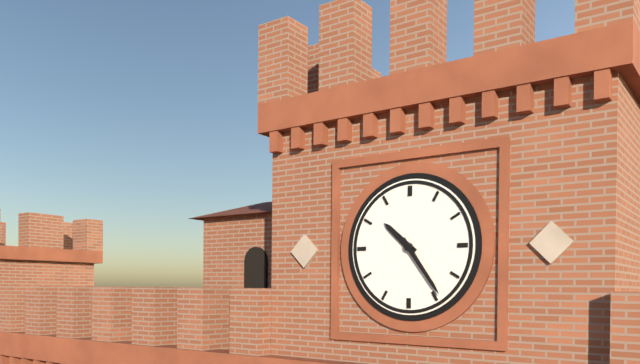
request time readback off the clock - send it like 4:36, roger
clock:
10:24
